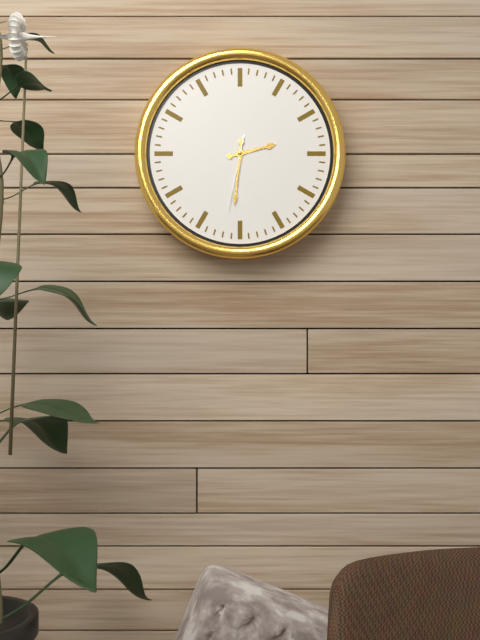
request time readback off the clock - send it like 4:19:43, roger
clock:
2:31:32
